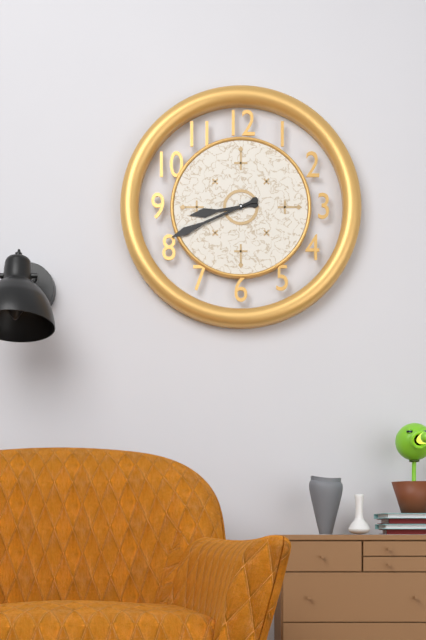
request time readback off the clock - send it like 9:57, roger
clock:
8:41
